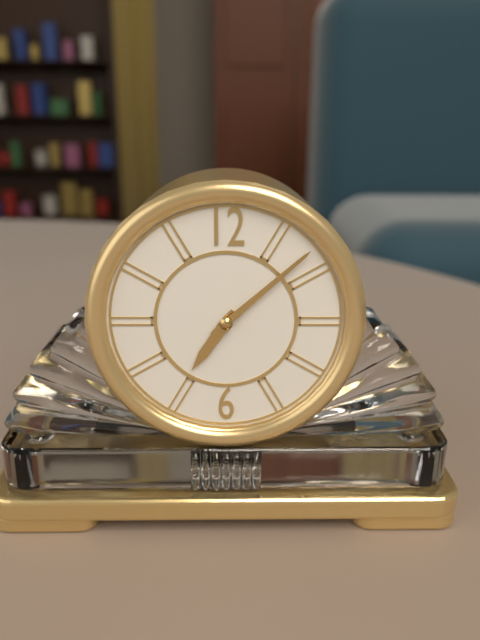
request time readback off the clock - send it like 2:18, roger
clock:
7:08
